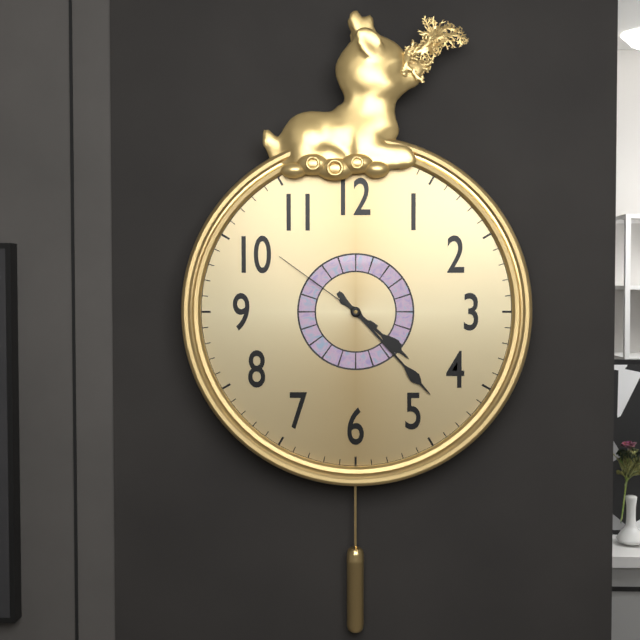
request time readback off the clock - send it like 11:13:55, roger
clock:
4:23:51
